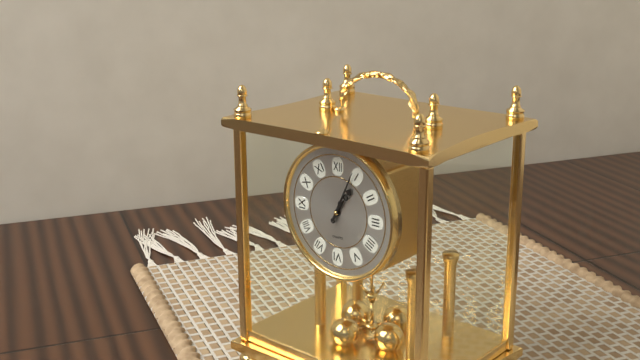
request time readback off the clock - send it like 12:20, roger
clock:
1:04
